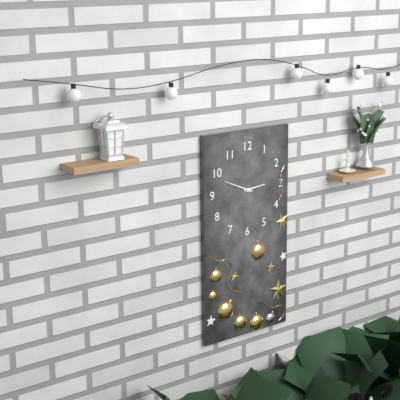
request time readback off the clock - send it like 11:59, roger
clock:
2:49
